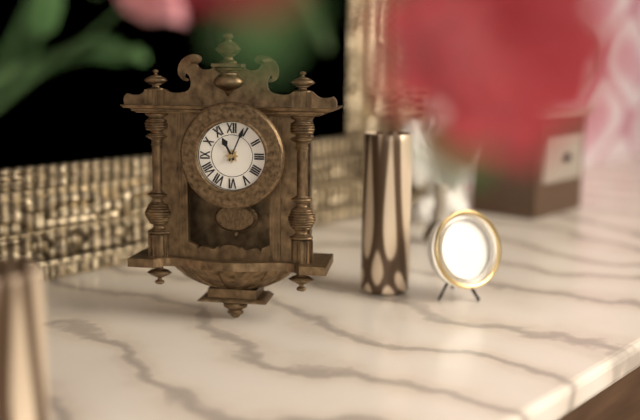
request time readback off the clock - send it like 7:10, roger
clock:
11:04
